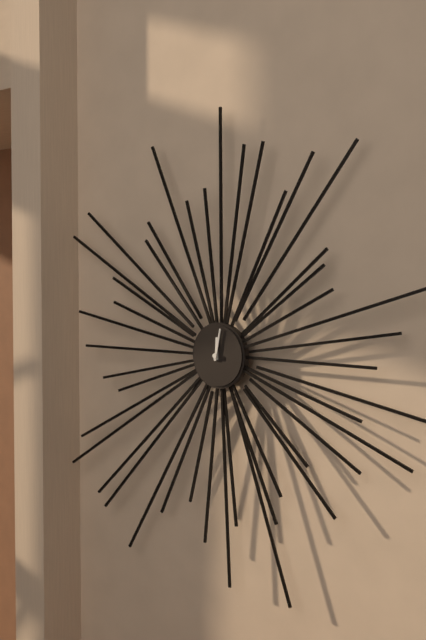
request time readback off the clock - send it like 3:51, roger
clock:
12:02
